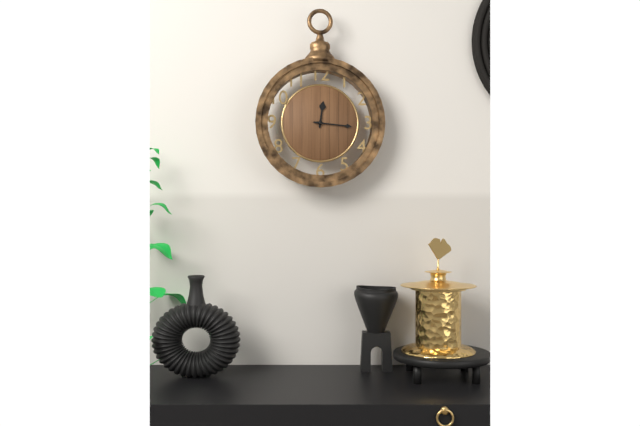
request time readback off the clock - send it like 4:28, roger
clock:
12:16
